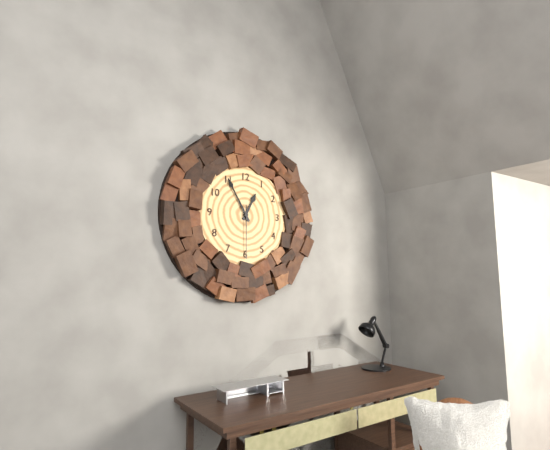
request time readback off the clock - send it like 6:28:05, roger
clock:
12:55:30
